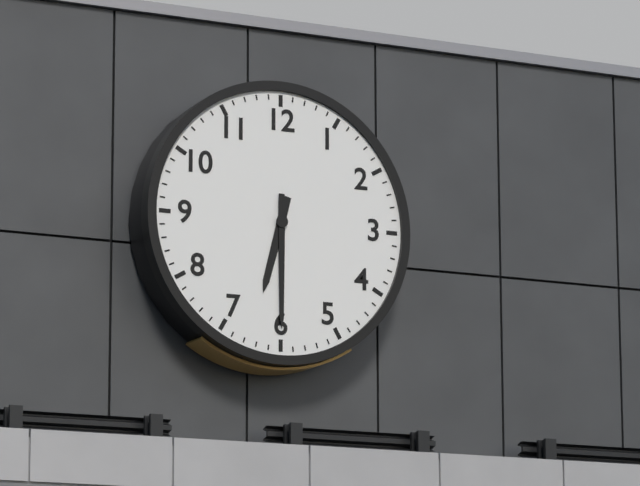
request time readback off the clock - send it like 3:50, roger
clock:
6:30
